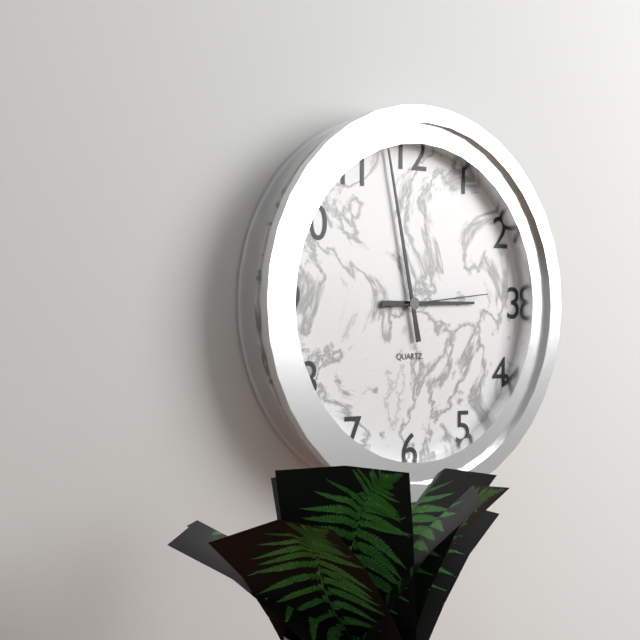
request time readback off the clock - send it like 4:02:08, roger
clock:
2:58:14
